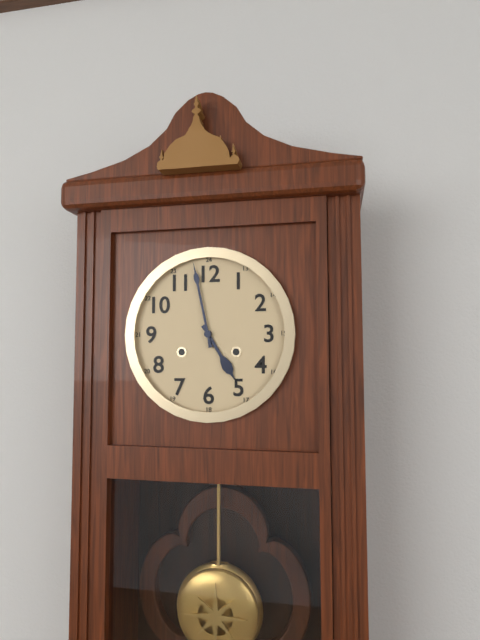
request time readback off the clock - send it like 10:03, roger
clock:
4:58
